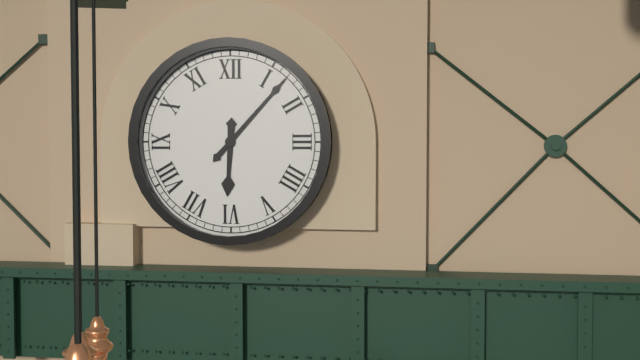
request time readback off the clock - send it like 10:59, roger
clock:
6:07
